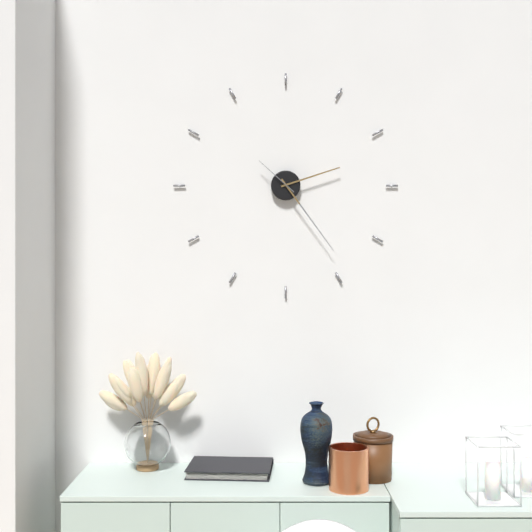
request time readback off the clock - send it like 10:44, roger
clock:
2:24
